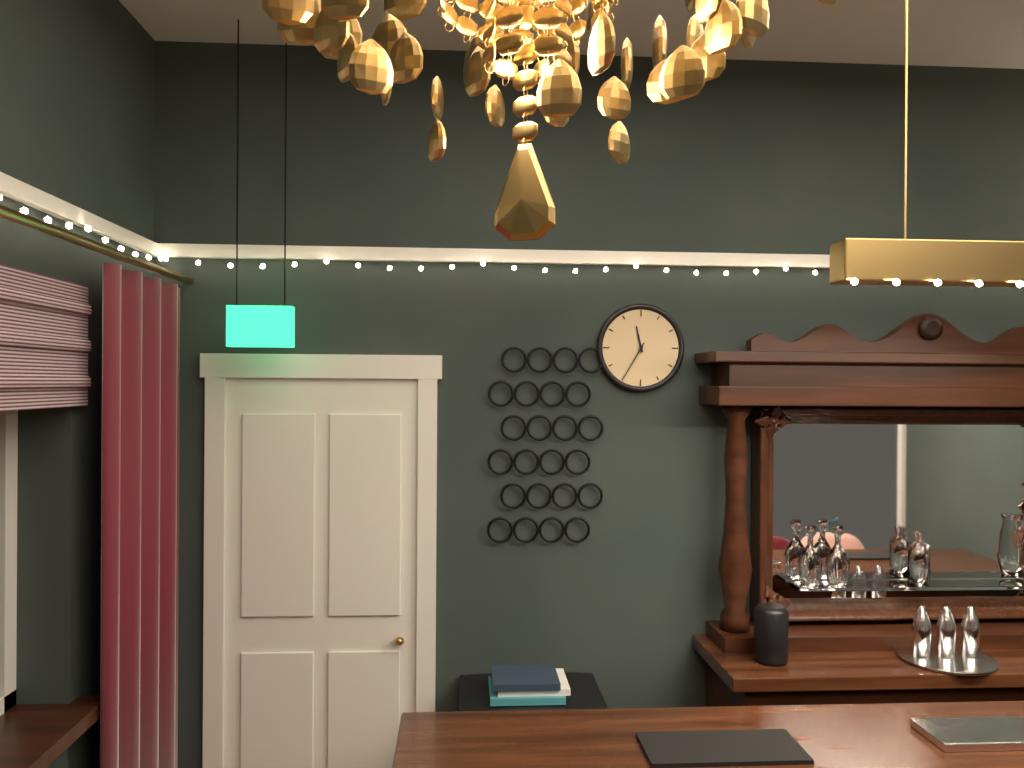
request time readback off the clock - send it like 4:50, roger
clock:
11:35
